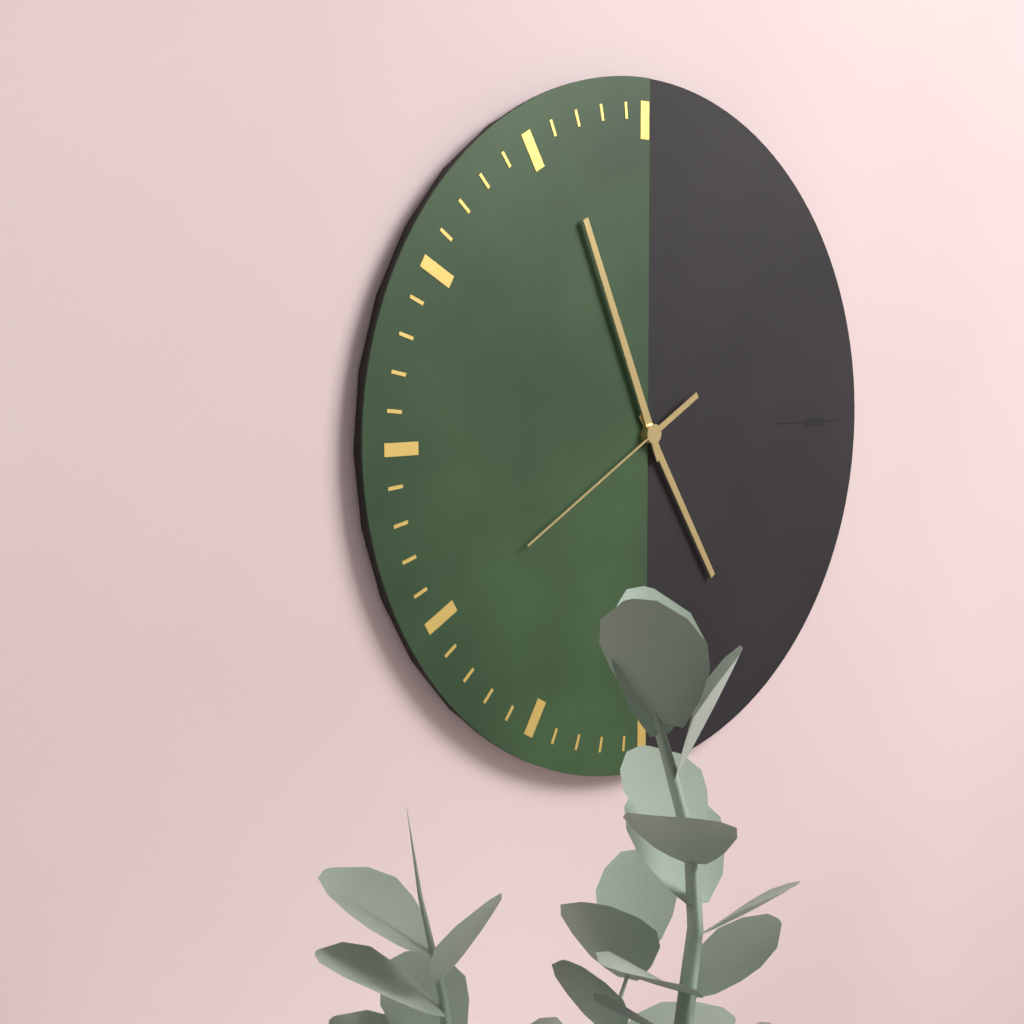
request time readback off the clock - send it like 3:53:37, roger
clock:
4:56:40
